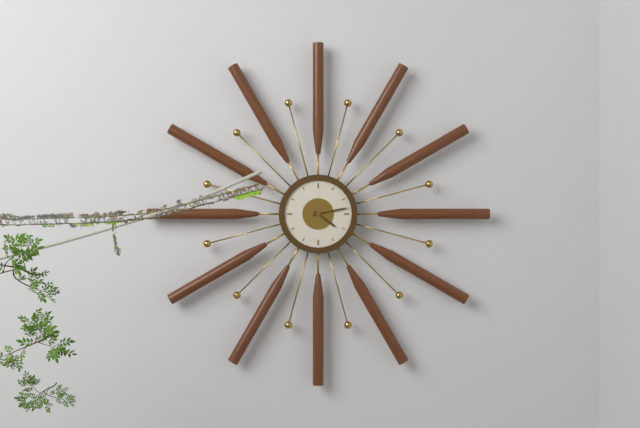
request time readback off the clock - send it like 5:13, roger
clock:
4:13
